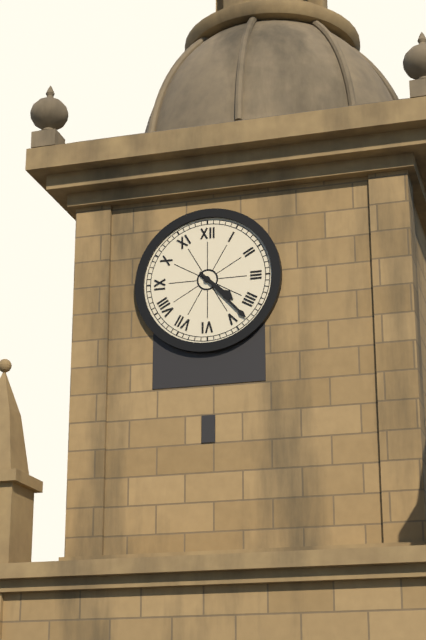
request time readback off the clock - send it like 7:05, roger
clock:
4:23
